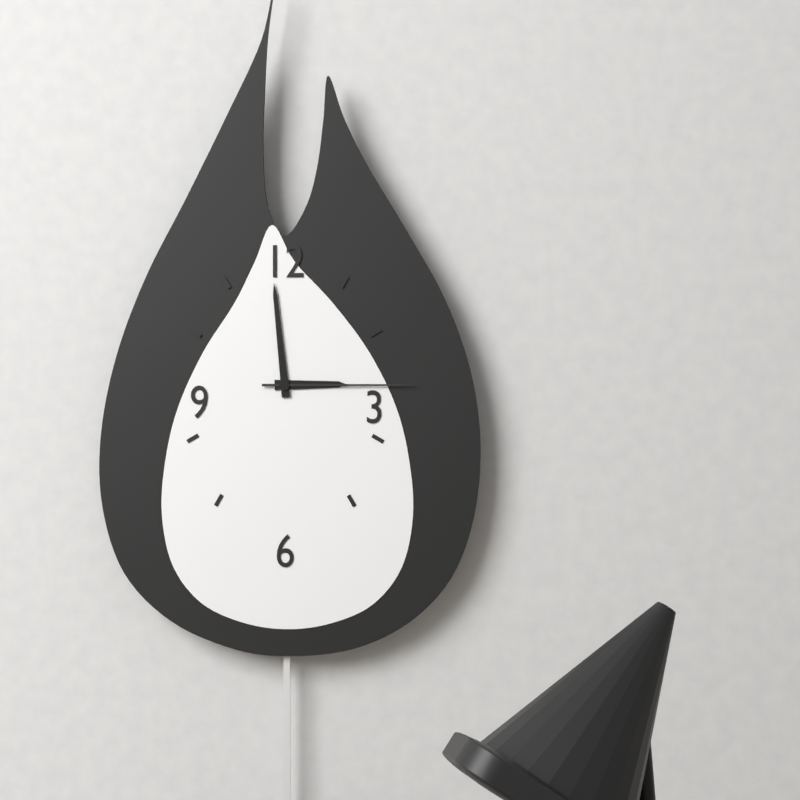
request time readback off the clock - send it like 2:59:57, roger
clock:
2:59:15
